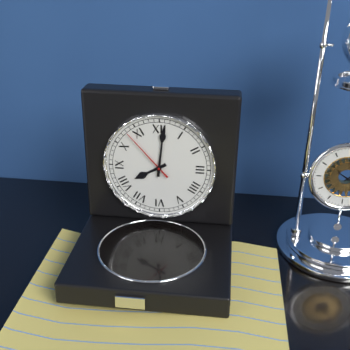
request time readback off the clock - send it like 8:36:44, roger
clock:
8:01:53
